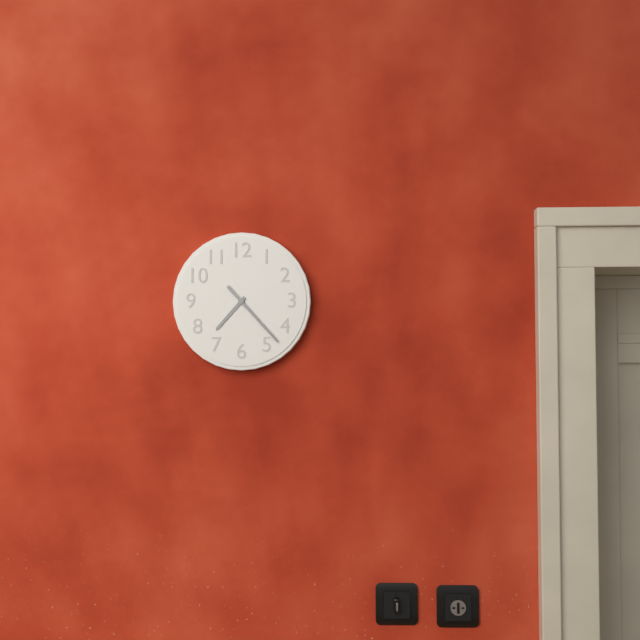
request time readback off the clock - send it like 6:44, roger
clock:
7:23
